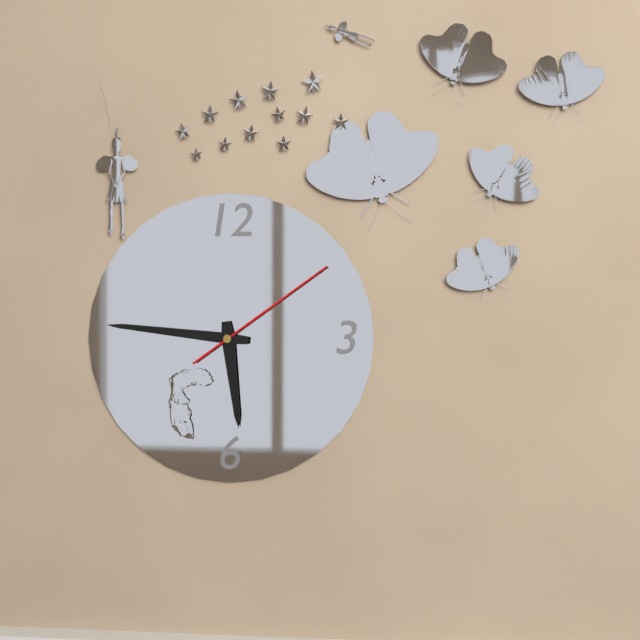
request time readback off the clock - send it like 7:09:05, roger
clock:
5:46:09
